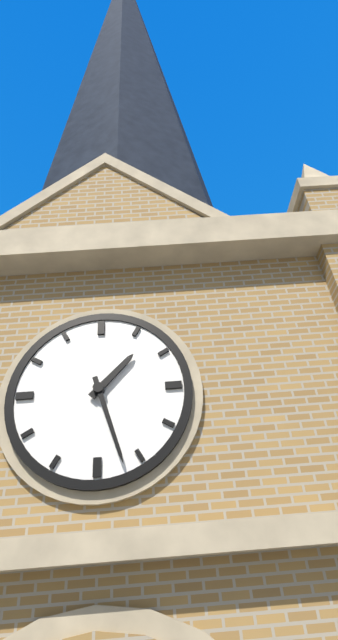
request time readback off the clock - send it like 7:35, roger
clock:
1:27
